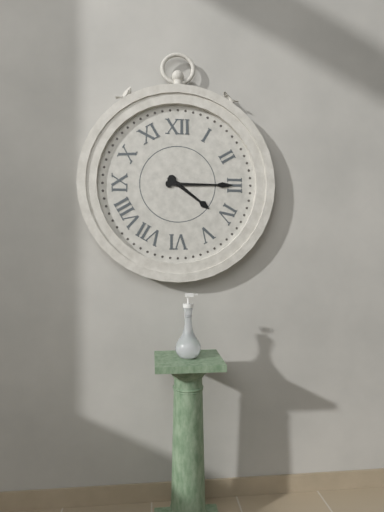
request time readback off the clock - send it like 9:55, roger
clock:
4:15
